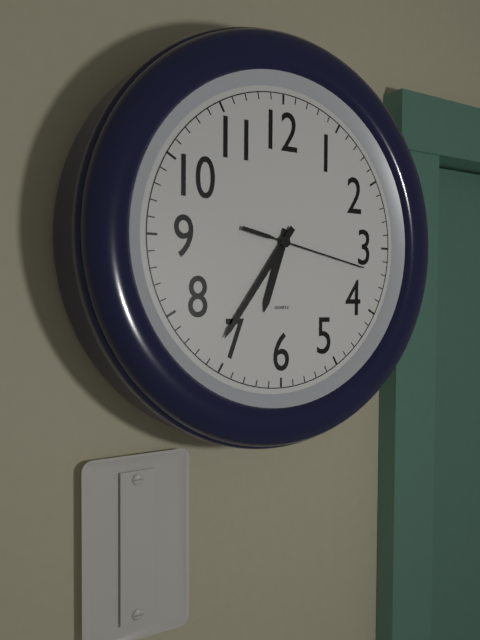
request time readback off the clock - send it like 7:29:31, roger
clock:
6:36:17
